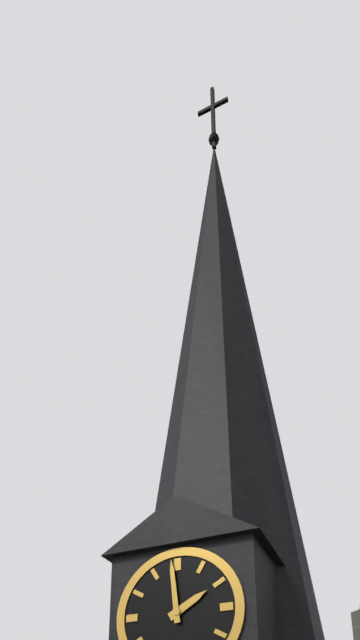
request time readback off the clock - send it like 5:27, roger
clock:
1:59
